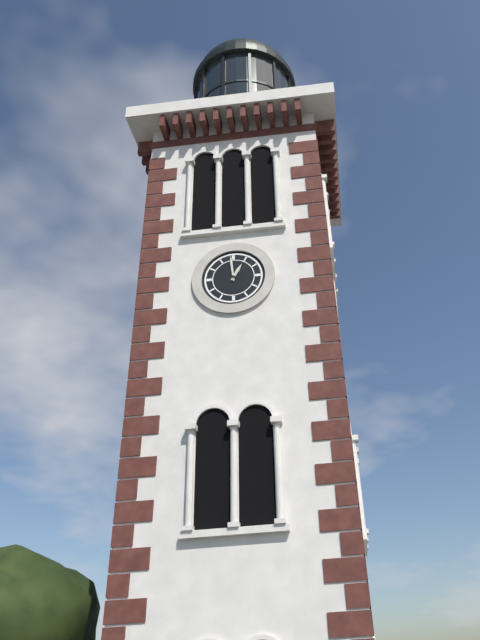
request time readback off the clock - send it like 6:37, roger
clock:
12:59
